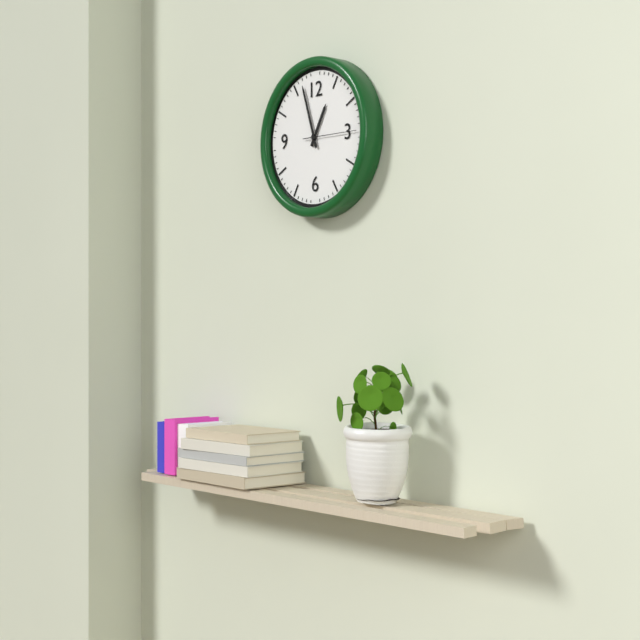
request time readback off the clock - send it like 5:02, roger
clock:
12:57
